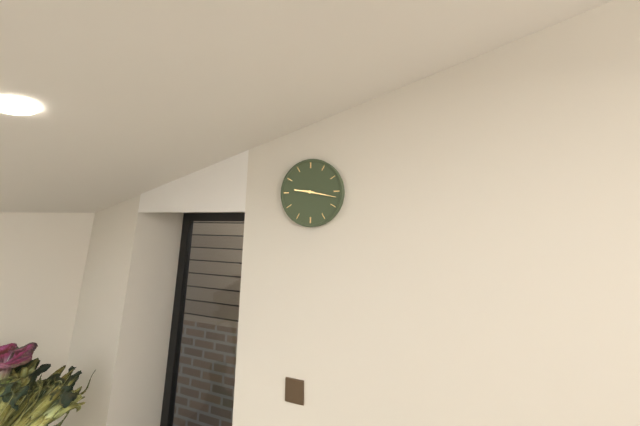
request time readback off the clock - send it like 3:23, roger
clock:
9:17
